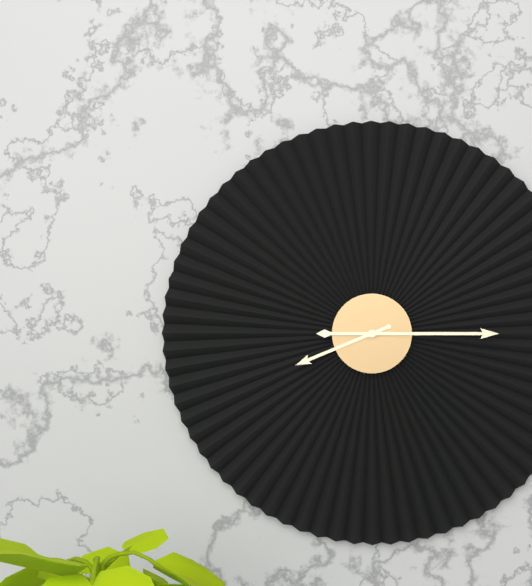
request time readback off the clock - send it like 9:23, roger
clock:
8:15
